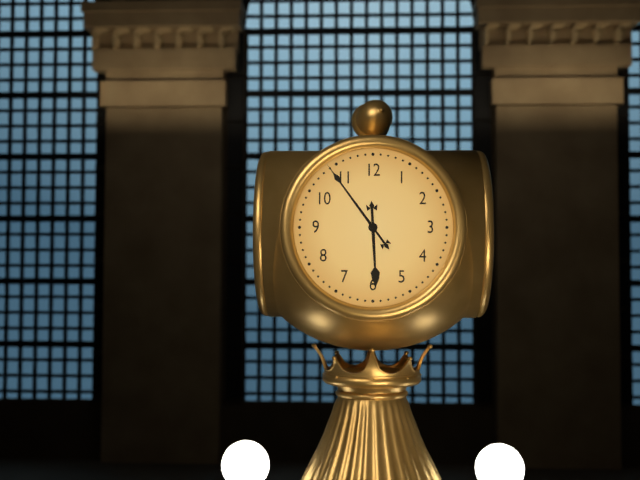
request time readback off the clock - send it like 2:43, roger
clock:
5:54
